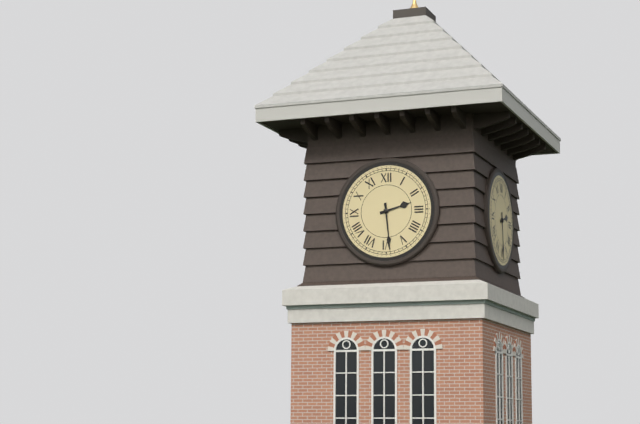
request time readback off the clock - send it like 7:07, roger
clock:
2:29
